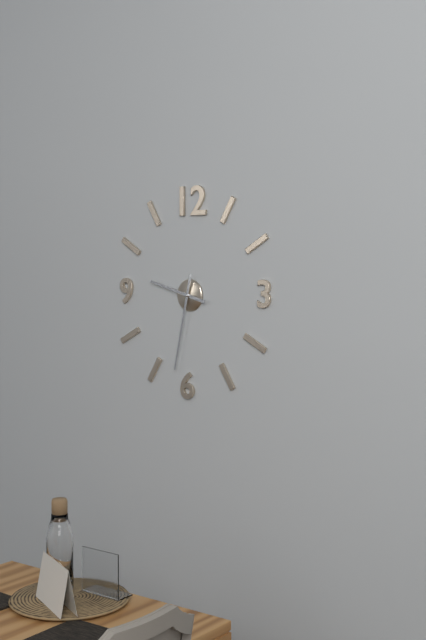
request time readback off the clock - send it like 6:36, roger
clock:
9:32
